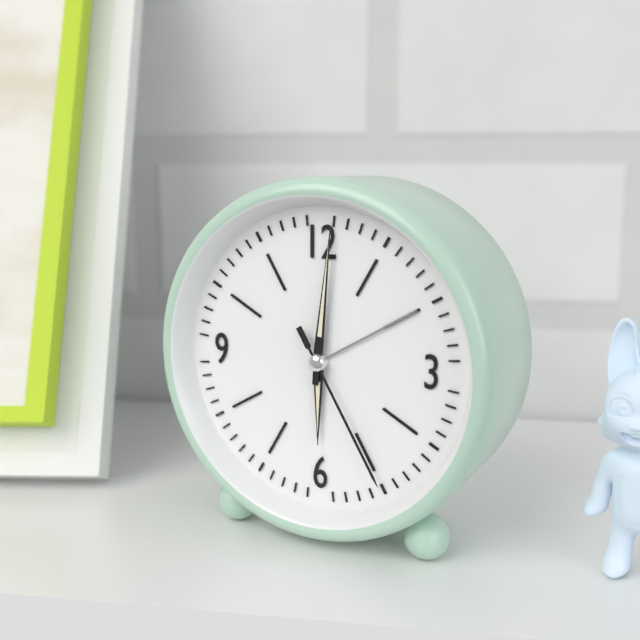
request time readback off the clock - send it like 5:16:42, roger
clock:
6:01:25
